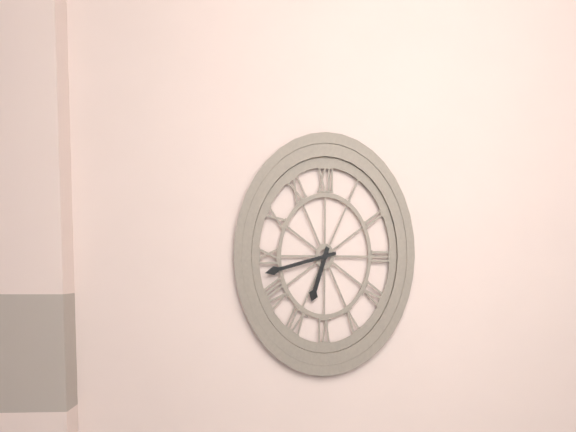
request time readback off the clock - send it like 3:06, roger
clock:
6:43
